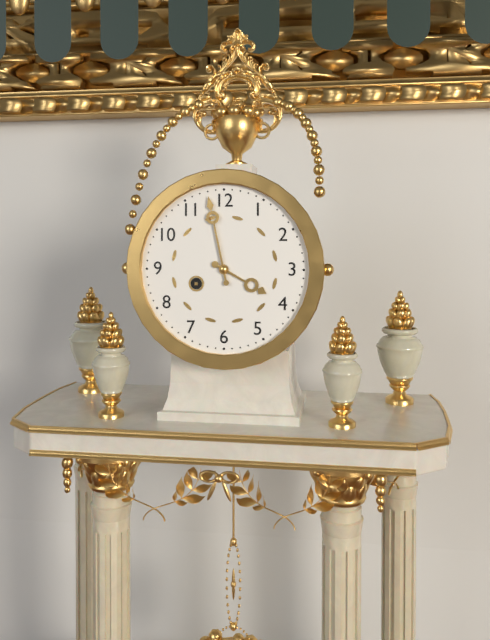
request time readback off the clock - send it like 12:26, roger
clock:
3:58
